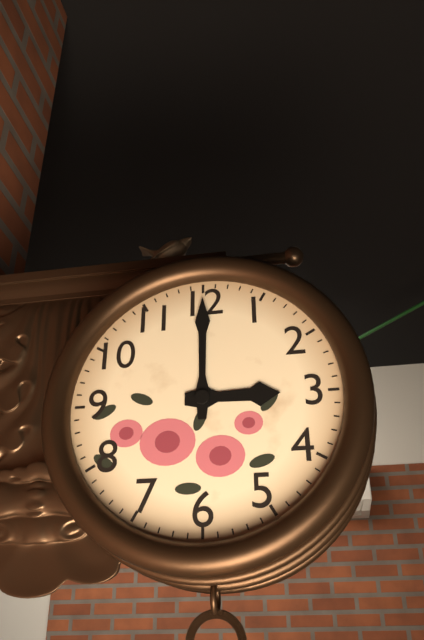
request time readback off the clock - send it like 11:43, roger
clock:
3:00
